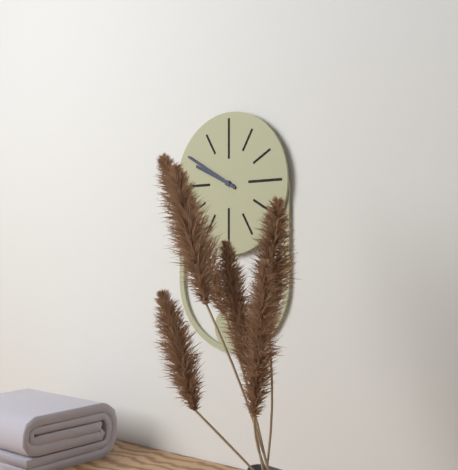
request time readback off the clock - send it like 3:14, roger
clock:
9:50
